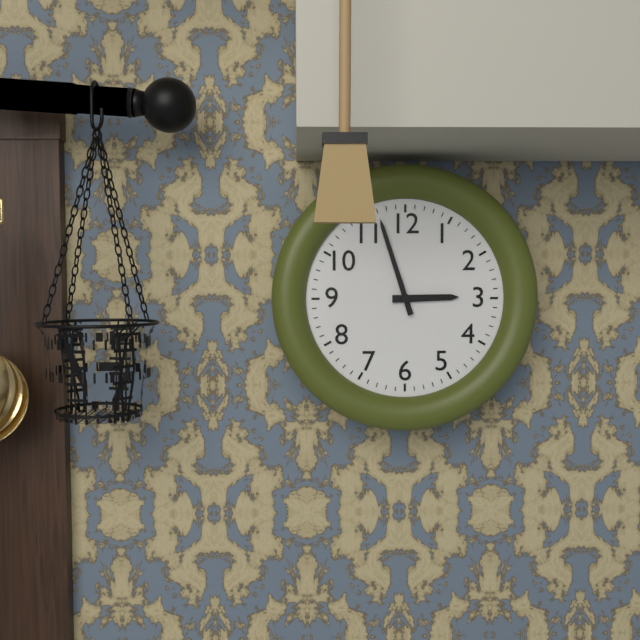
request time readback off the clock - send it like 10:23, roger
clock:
2:57
